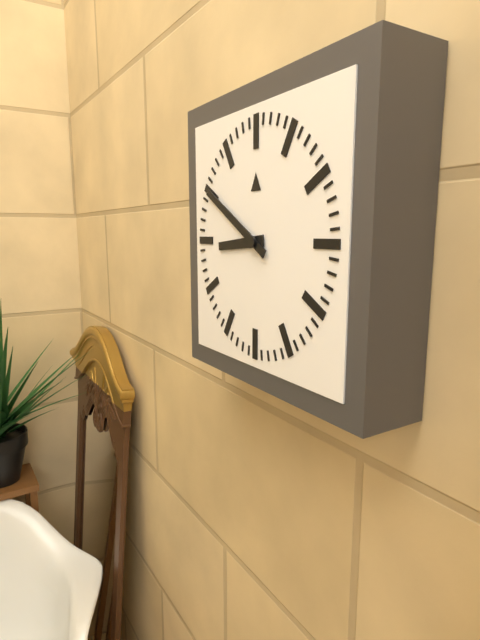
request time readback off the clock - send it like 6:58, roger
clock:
8:50
